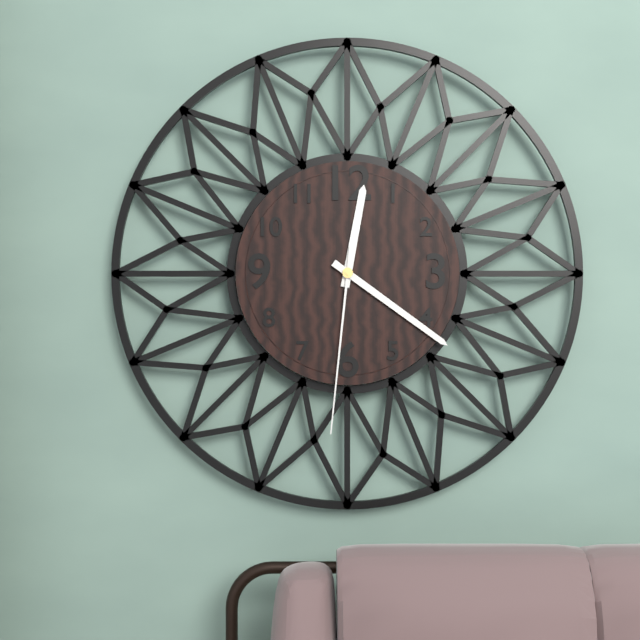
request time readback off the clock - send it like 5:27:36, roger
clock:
12:21:31
